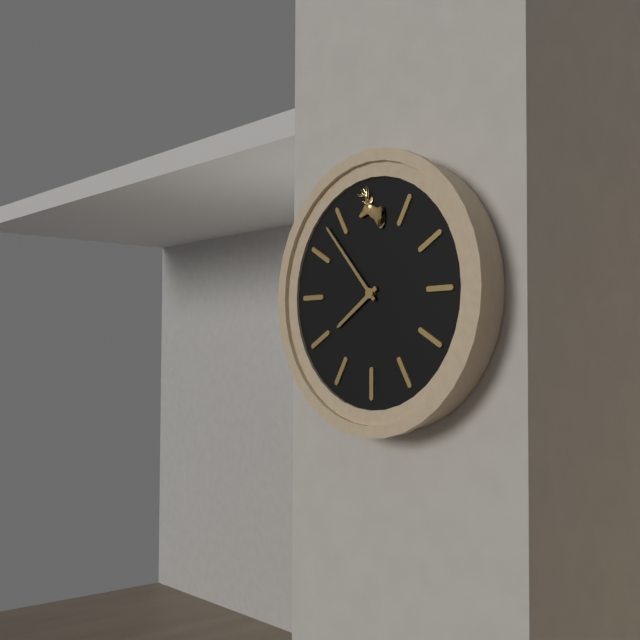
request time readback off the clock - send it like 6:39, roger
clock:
7:53
